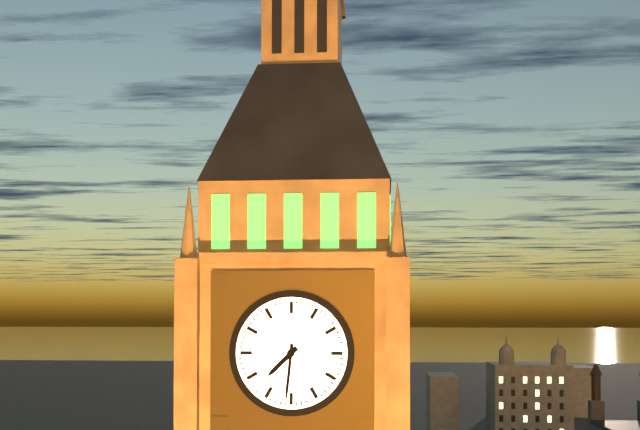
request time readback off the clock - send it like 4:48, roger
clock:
7:31
